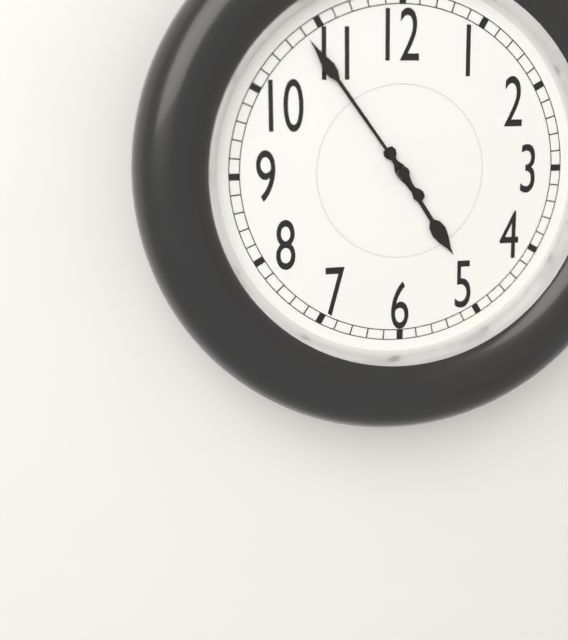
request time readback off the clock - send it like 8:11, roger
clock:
4:54
